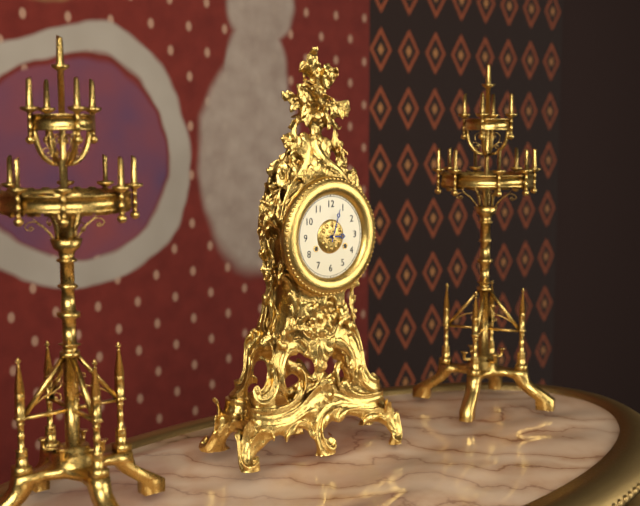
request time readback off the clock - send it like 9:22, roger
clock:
3:03
